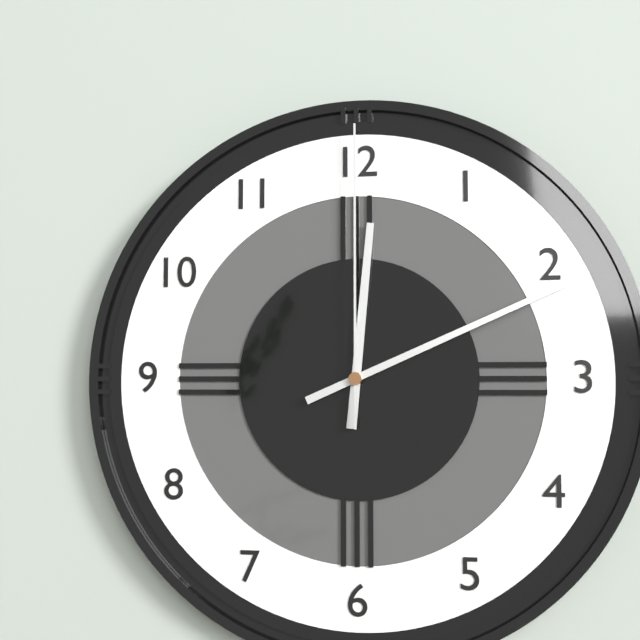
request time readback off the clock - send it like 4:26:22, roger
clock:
12:11:00
